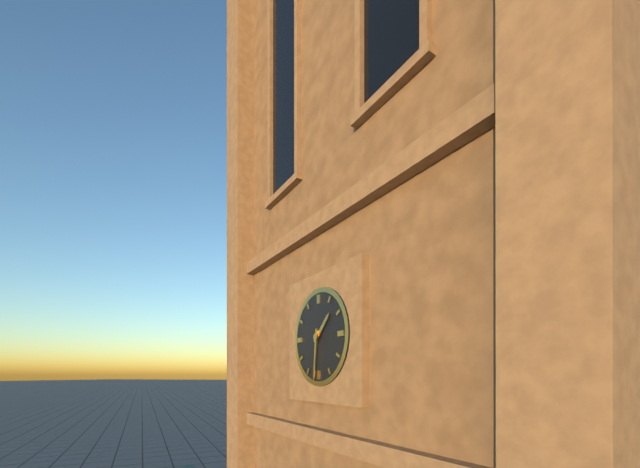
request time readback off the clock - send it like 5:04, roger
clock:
1:31
